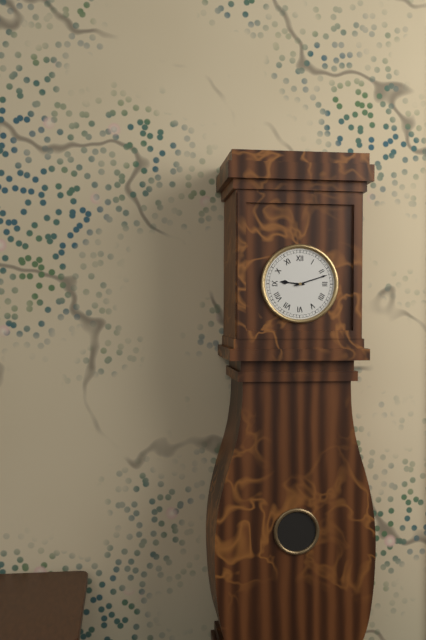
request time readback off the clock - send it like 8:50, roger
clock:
9:12
